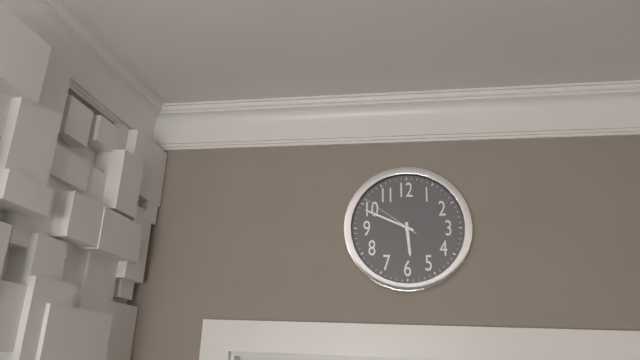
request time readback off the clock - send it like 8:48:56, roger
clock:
5:49:51
